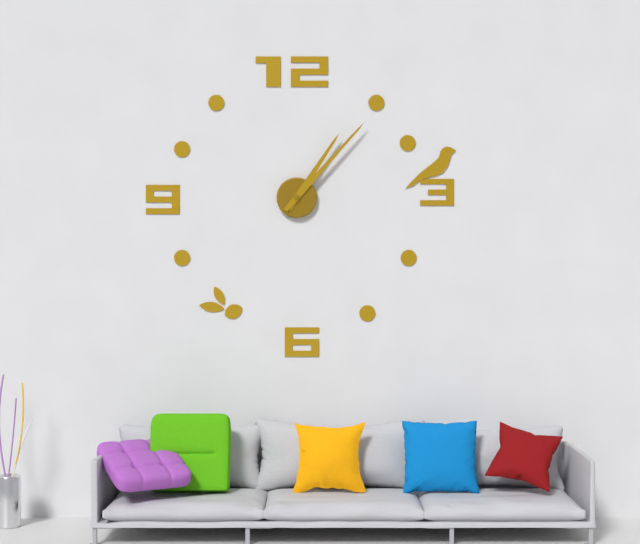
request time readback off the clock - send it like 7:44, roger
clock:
1:07
